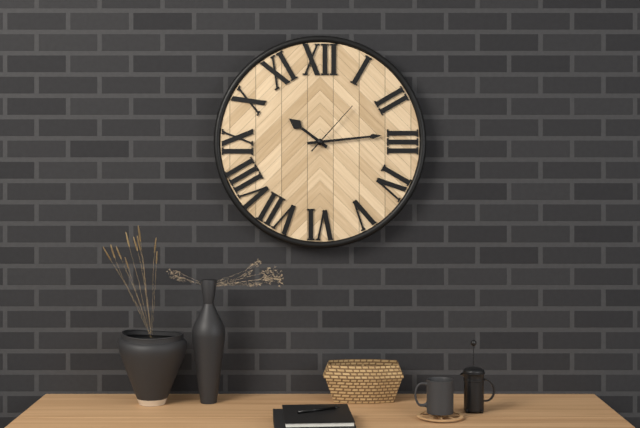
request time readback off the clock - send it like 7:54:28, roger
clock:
10:14:07
